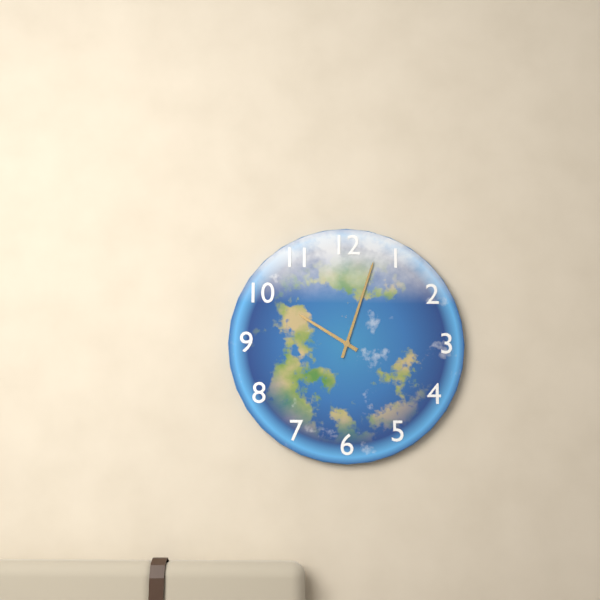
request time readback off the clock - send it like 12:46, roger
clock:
10:03
